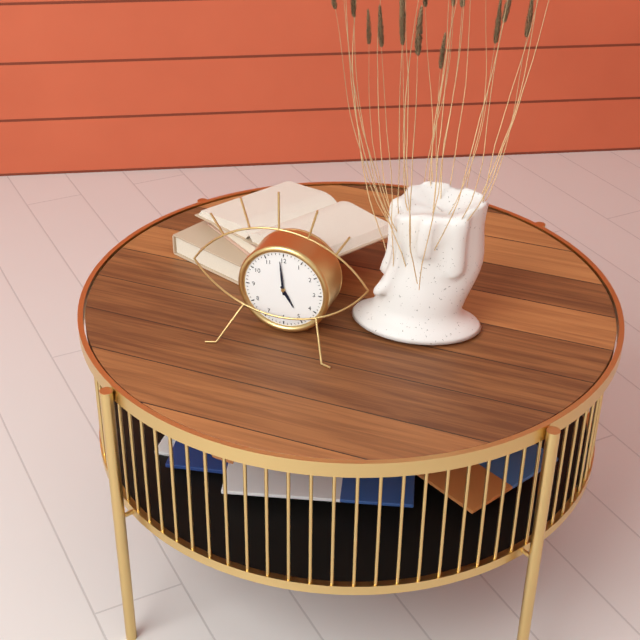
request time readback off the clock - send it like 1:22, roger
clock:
4:59
